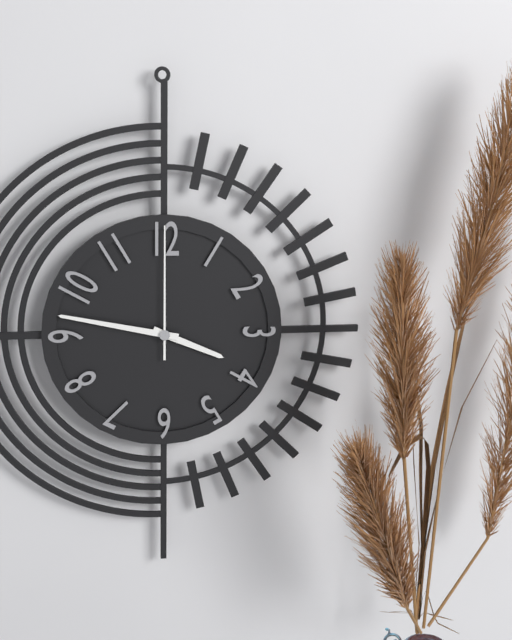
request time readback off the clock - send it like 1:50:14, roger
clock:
3:47:00
